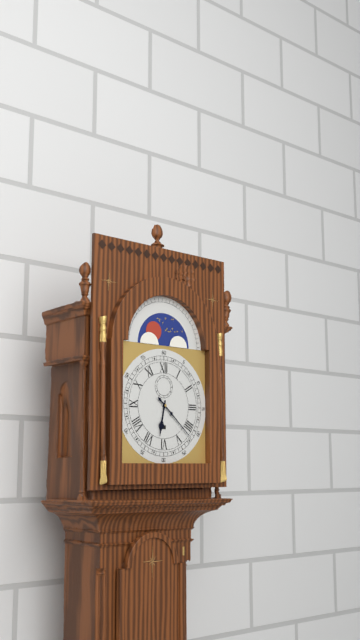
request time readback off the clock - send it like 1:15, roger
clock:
6:22
